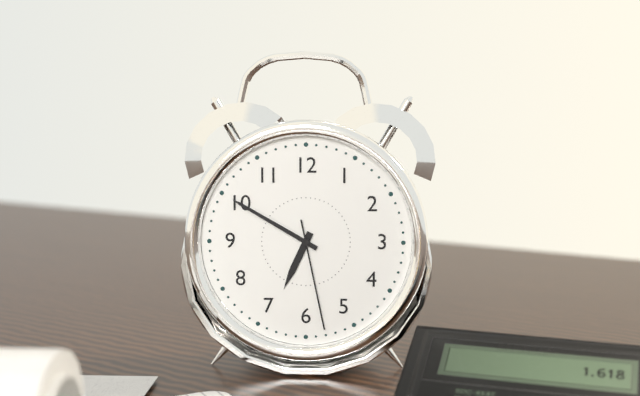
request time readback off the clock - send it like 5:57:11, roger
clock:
6:50:28
